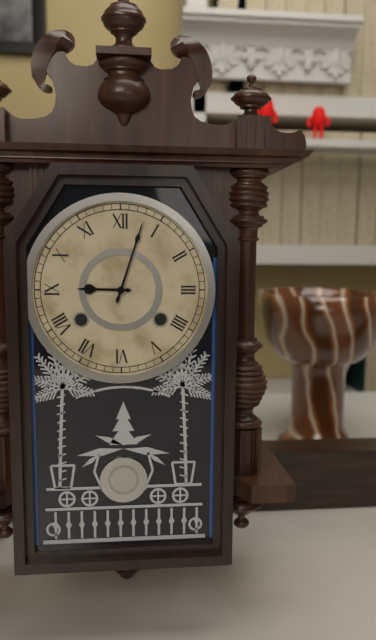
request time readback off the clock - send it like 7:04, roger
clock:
9:03
